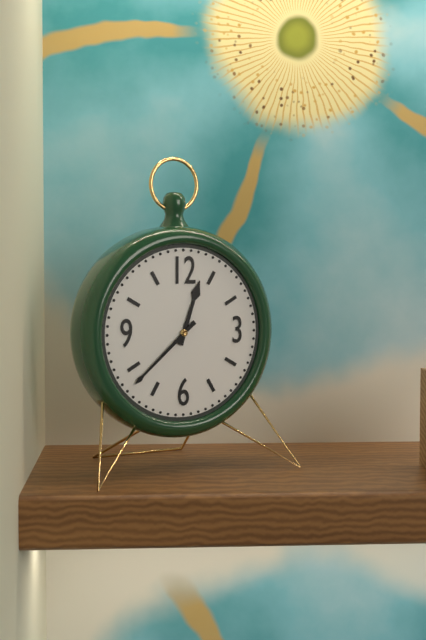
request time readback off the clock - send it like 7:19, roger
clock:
12:38
